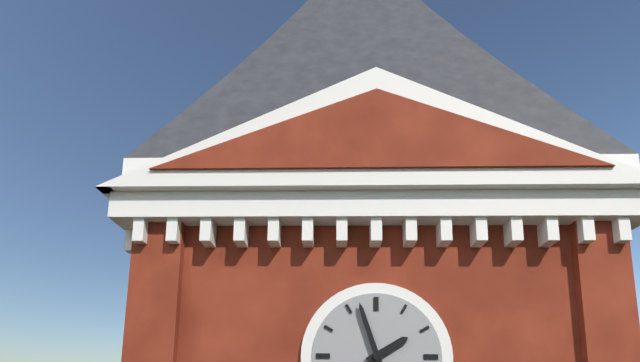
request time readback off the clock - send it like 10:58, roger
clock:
1:57
